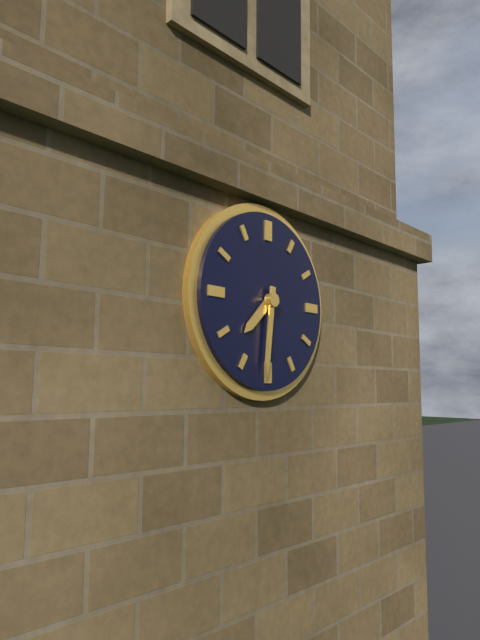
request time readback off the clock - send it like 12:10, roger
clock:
7:31
